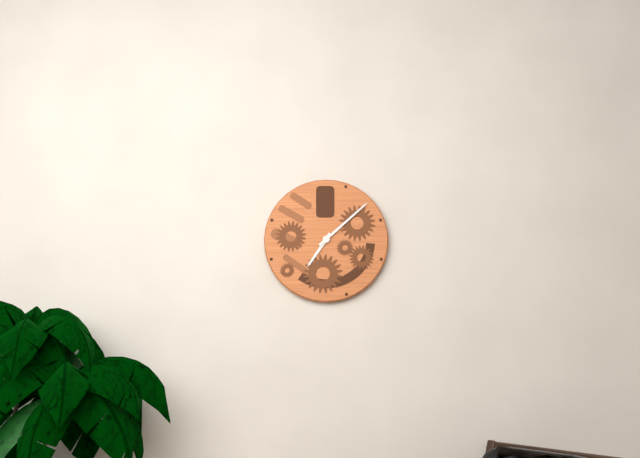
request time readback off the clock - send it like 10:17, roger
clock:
7:08
